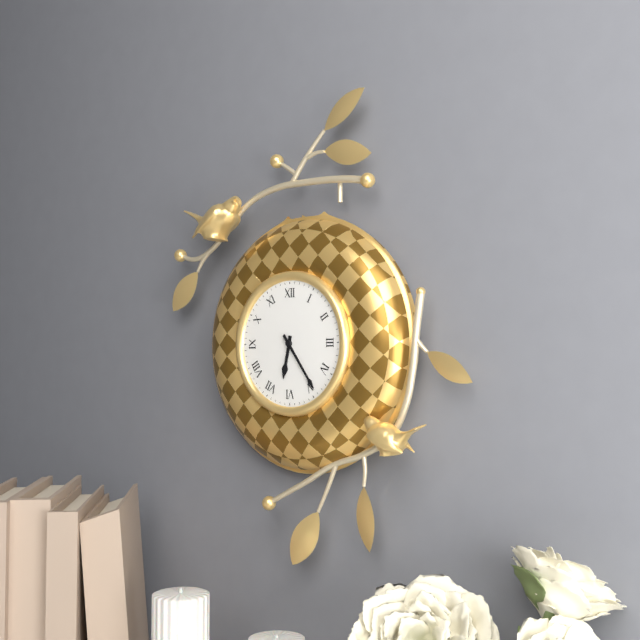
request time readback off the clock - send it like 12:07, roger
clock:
6:24
